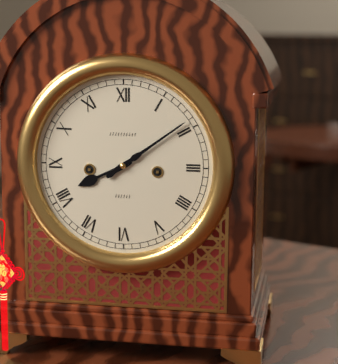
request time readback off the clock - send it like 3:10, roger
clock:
8:09
